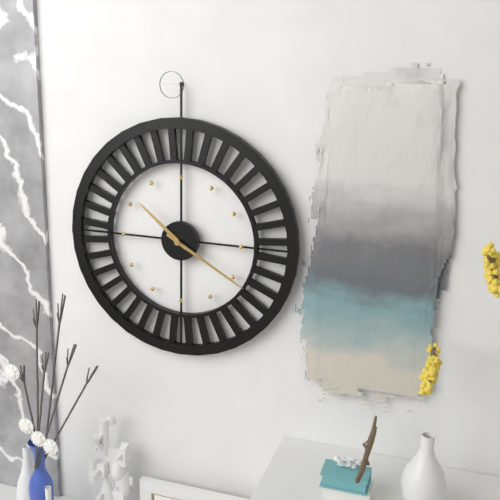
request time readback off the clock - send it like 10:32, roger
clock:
10:20
